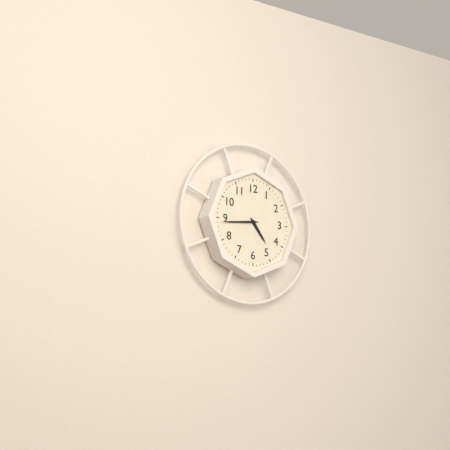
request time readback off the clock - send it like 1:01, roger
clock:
4:44
